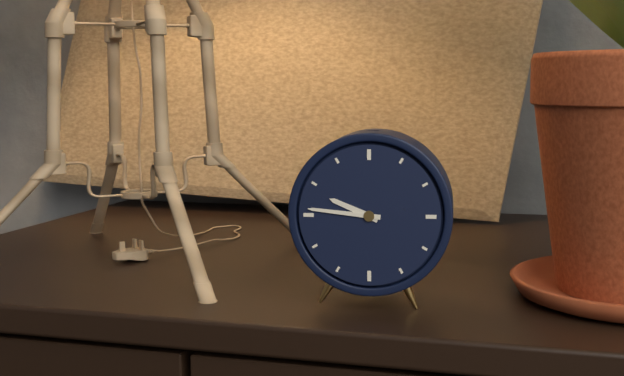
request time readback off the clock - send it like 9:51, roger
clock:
9:46
